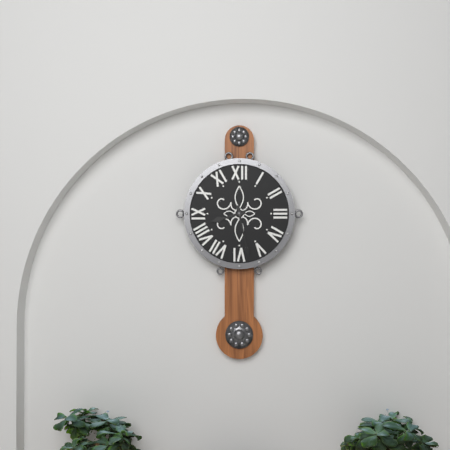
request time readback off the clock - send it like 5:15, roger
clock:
8:28
